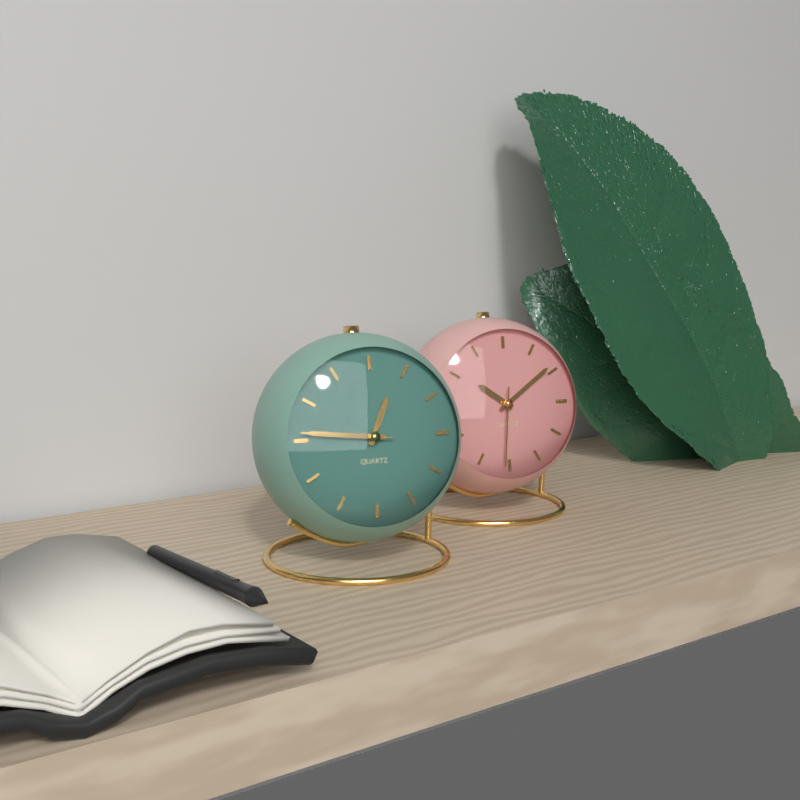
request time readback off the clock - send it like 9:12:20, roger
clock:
12:46:46
